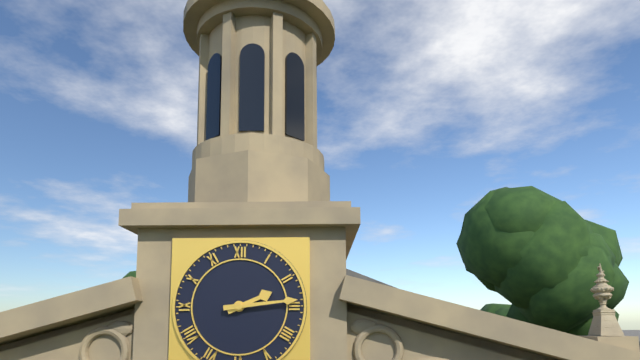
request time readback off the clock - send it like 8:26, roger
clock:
2:14
